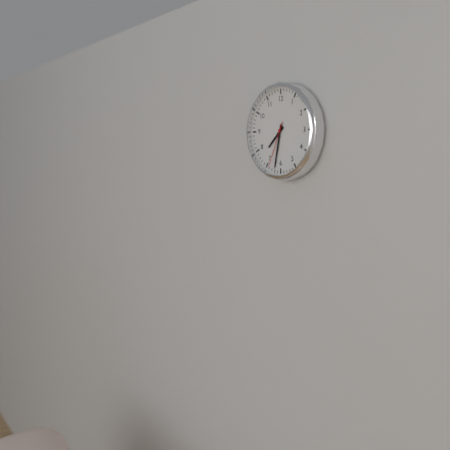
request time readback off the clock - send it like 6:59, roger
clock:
7:32
